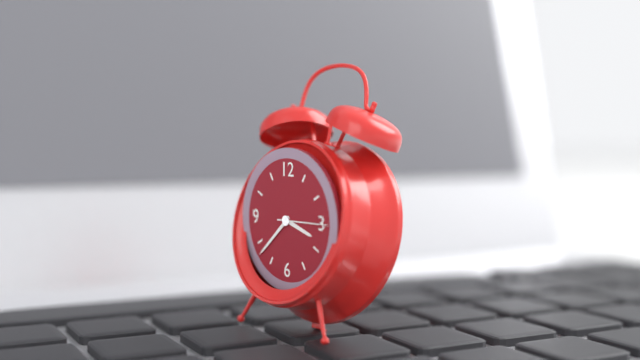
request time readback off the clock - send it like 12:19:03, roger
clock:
3:38:15
